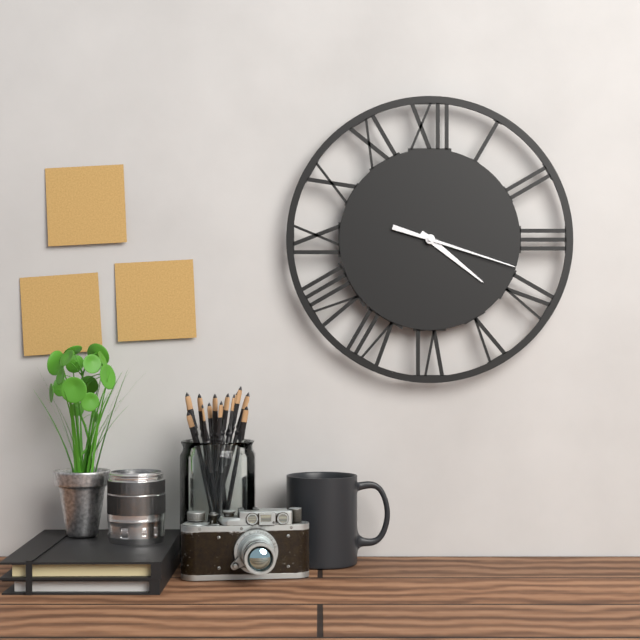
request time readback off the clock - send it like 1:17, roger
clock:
4:18
